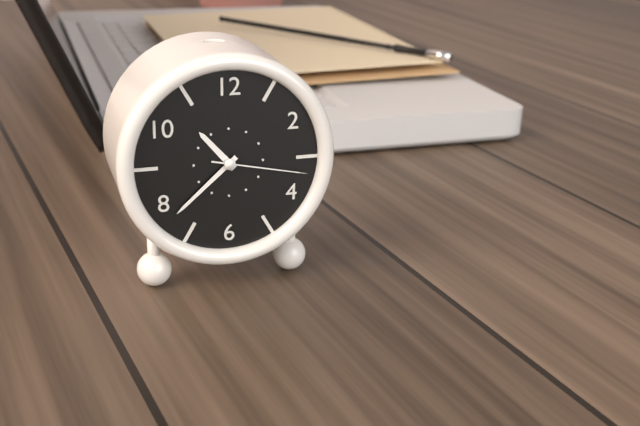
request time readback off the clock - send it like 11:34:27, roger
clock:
10:38:17
